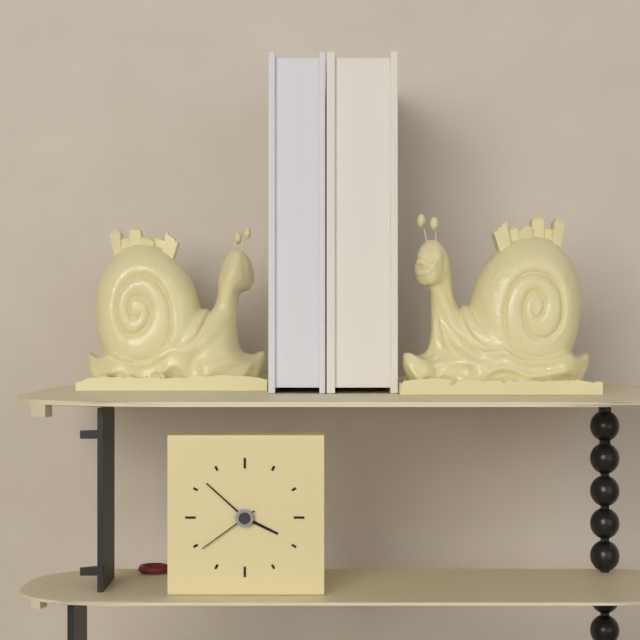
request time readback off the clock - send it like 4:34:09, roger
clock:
3:52:39
